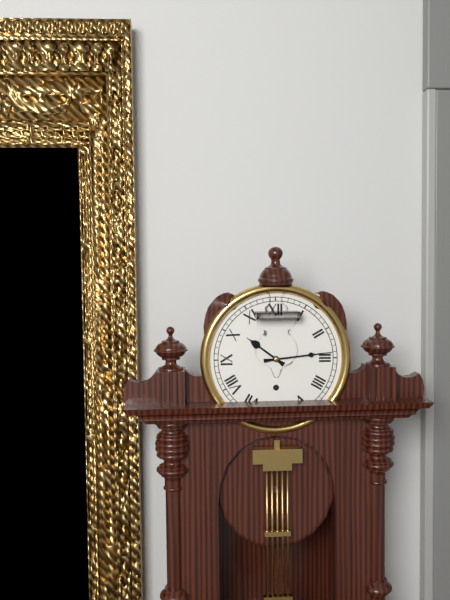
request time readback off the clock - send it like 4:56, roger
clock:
10:14
